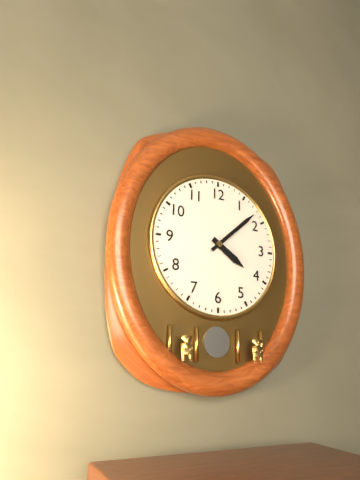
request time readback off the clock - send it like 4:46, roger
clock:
4:08
